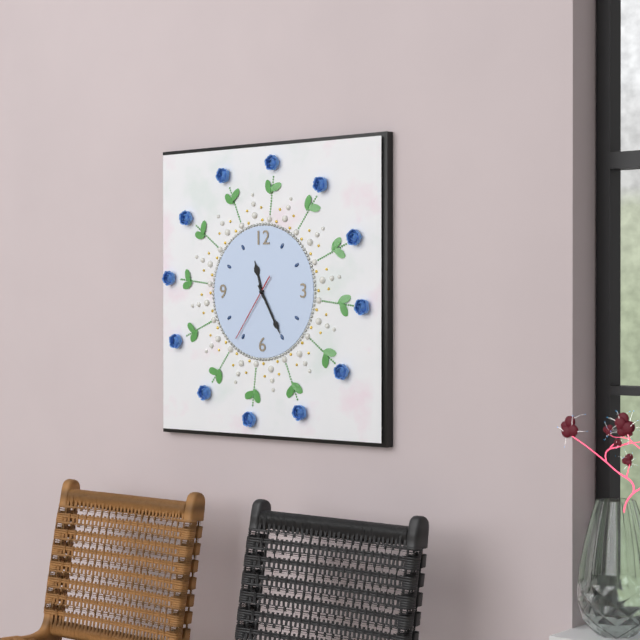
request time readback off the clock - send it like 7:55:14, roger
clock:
11:25:36
